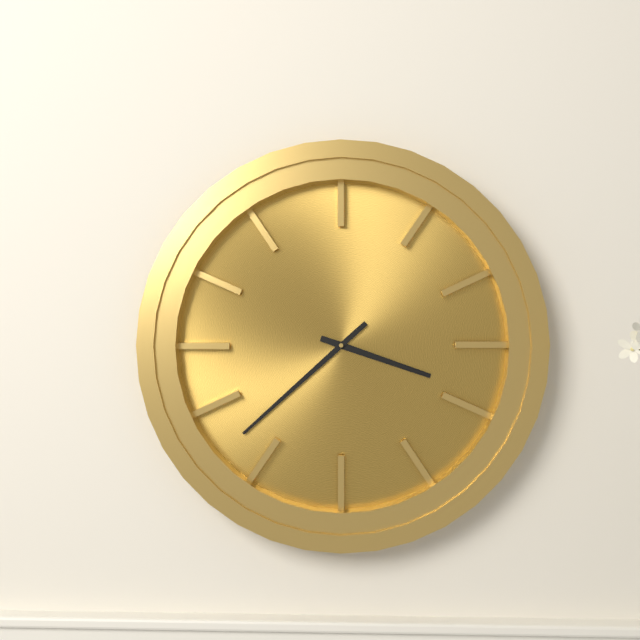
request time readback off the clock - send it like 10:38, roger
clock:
3:38
